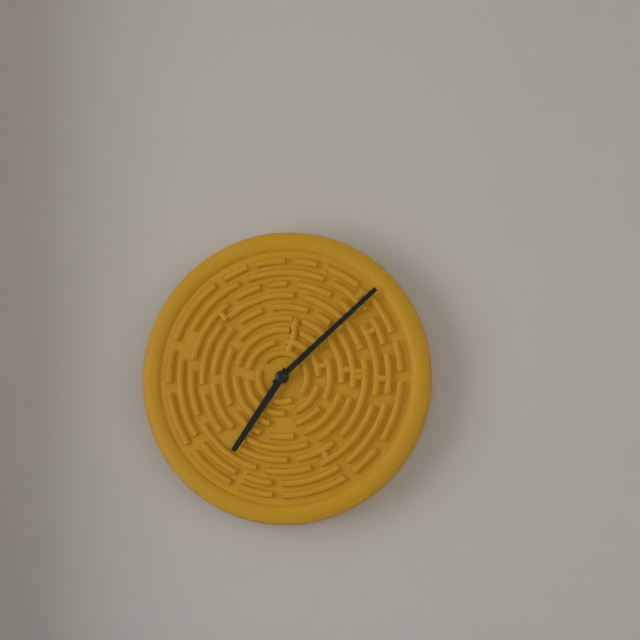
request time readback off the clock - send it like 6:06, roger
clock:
7:08
